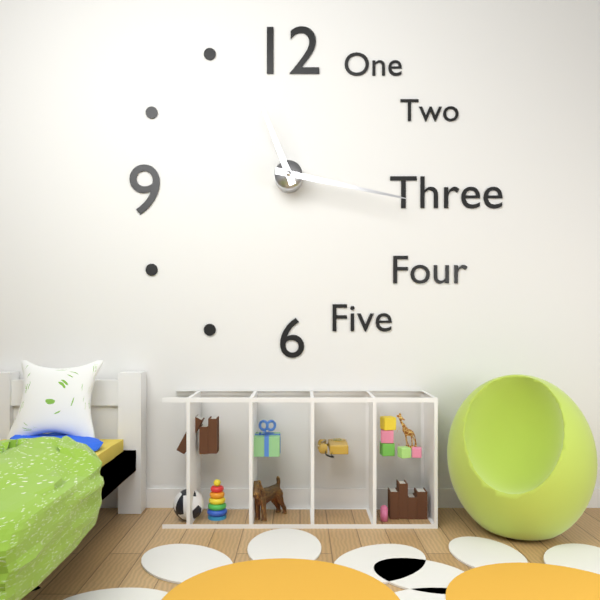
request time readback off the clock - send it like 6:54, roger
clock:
11:17
